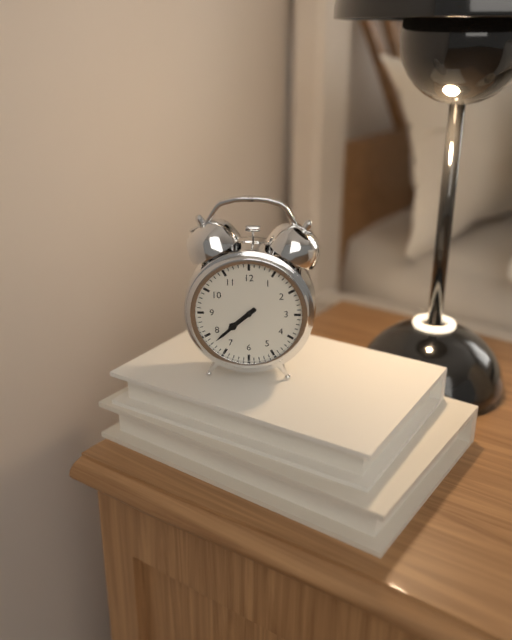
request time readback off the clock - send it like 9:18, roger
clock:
7:38
